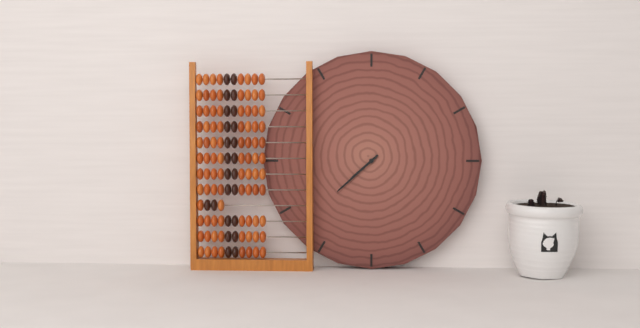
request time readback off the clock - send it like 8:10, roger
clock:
7:38
